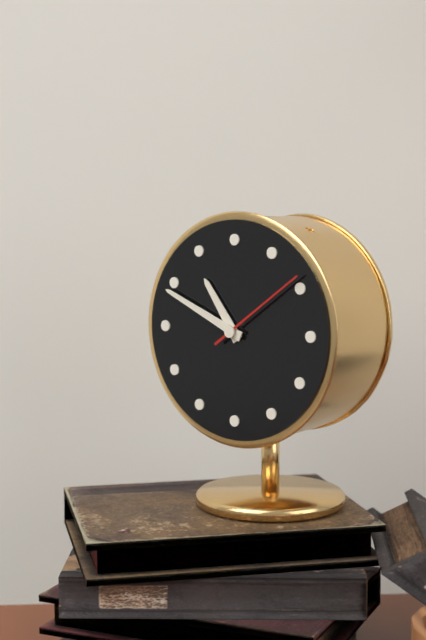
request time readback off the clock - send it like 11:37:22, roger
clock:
10:49:09
